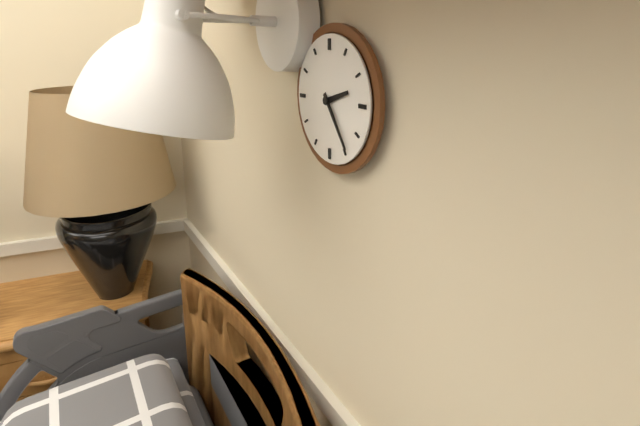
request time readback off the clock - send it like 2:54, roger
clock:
2:24
